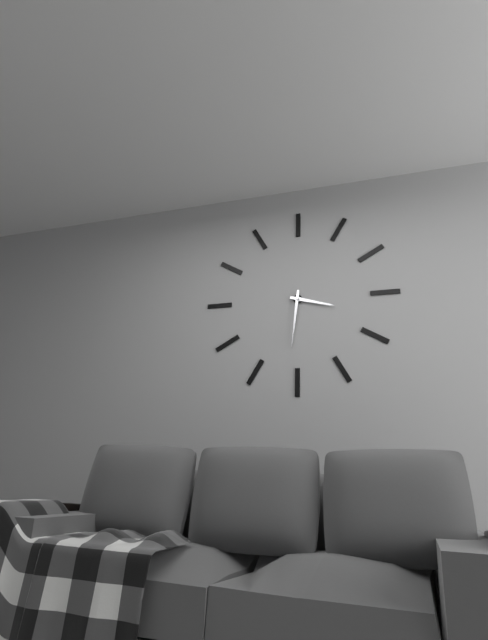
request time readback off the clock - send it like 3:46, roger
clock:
3:31
